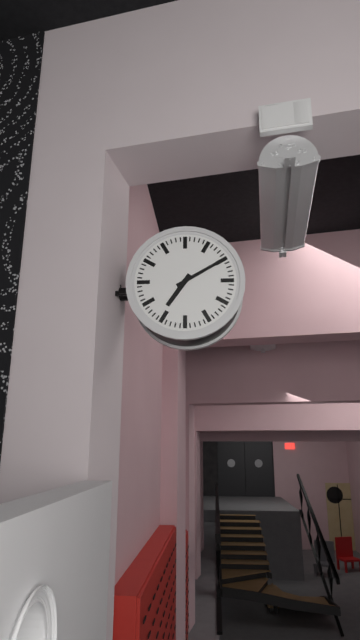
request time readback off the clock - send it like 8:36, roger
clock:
7:10
